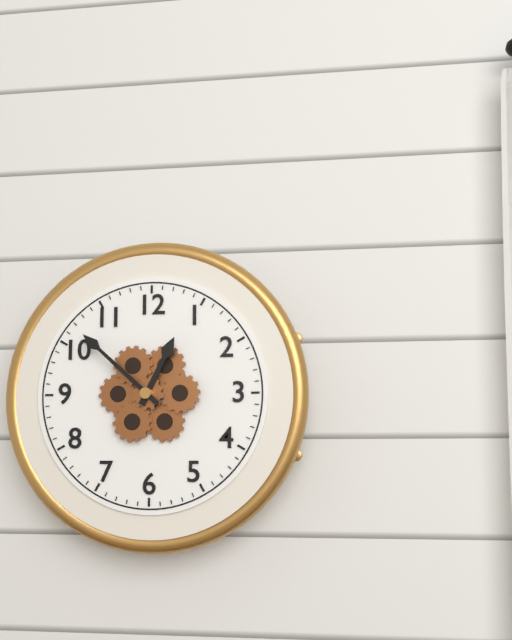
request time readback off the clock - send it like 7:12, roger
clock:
12:52
